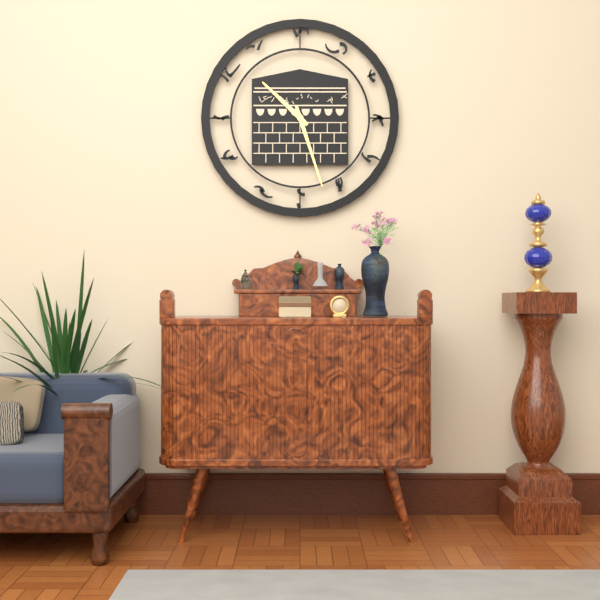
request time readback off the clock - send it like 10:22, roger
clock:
10:27
